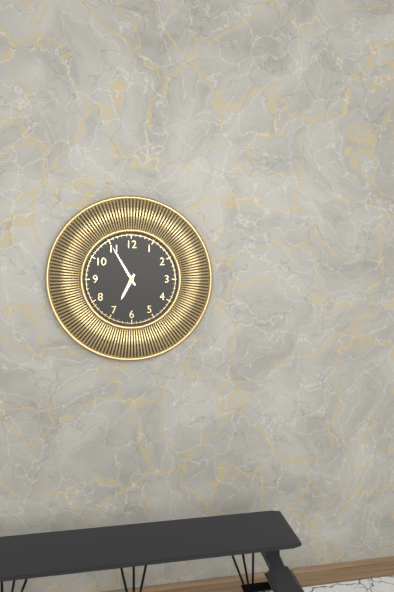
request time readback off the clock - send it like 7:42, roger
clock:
6:55
